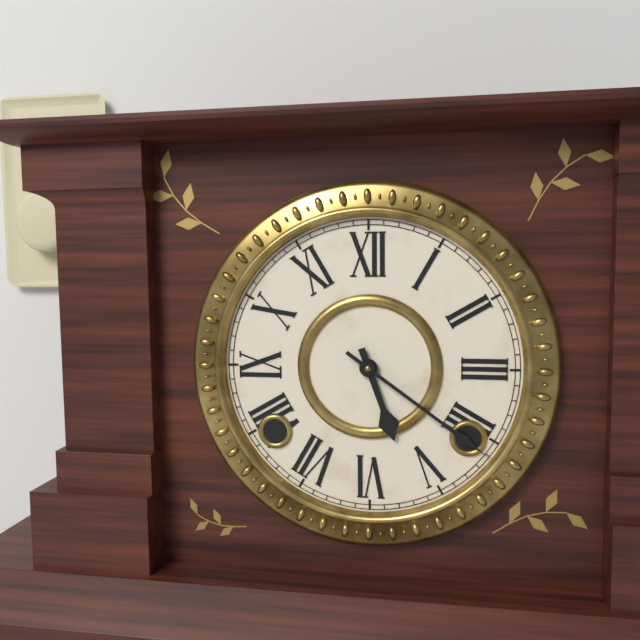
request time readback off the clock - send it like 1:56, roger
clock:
5:21
